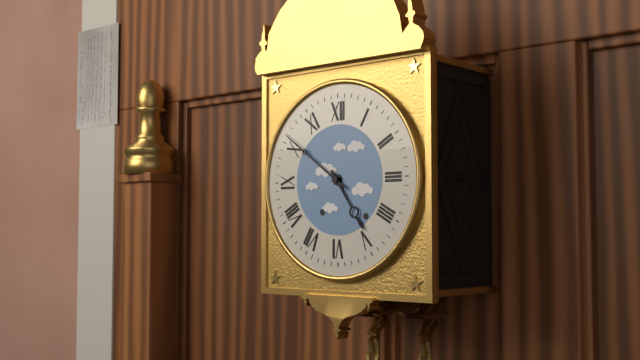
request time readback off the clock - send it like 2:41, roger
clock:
4:51
